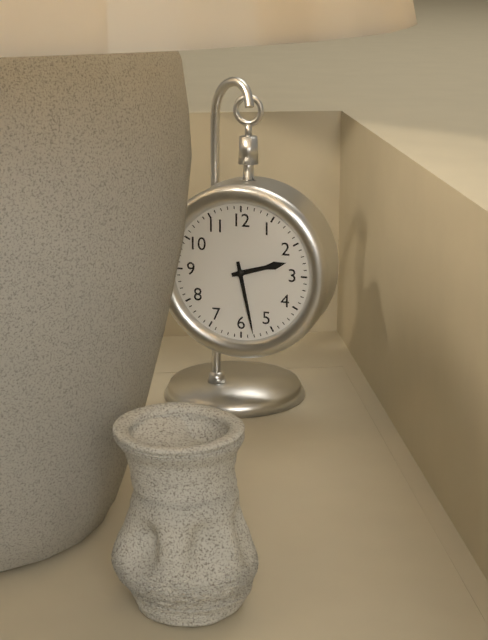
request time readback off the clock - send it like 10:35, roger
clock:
2:28
